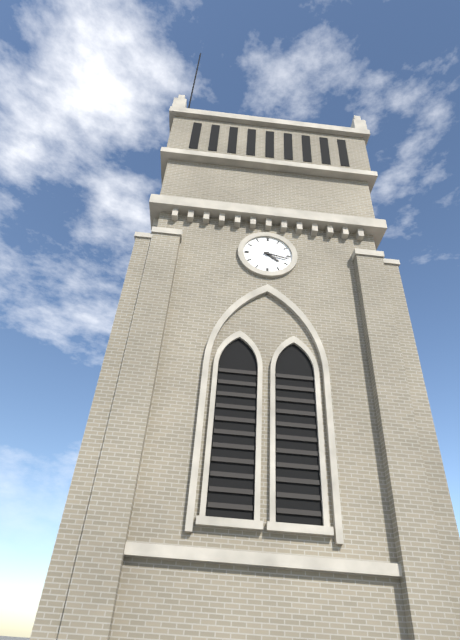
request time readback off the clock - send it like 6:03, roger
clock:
4:17
